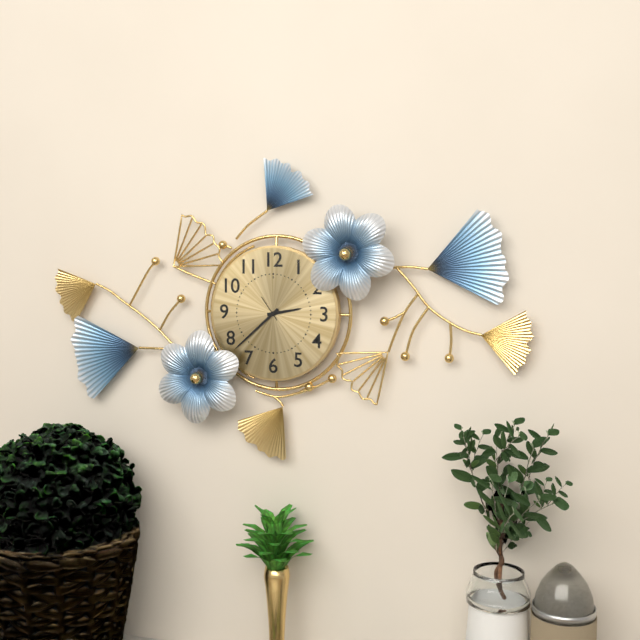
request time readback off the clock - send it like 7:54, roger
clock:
2:38
